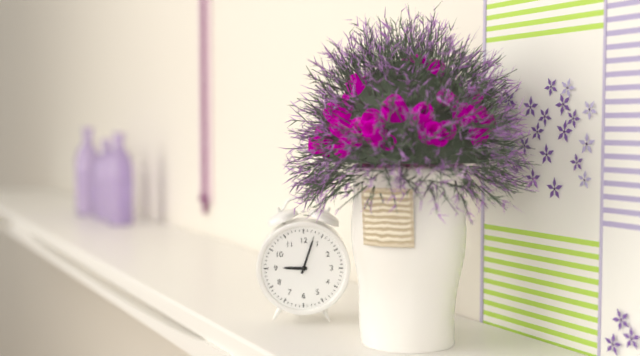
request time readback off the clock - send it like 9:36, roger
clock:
9:03
